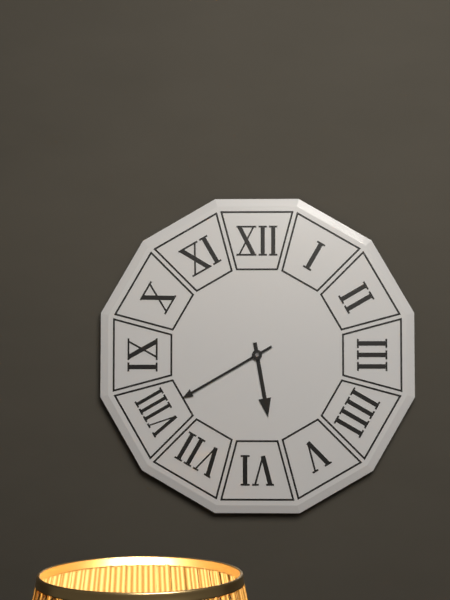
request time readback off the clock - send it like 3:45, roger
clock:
5:40
